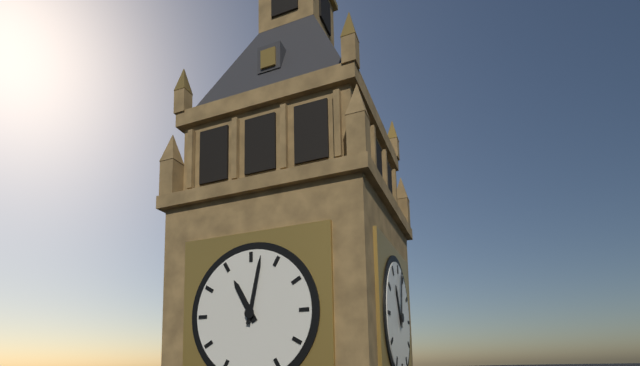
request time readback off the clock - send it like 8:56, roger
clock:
11:02
